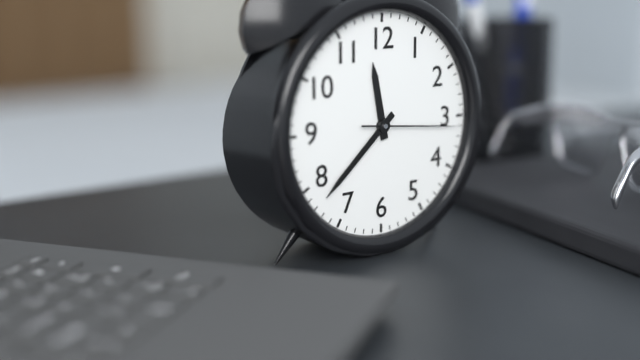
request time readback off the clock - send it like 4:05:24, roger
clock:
11:38:16
